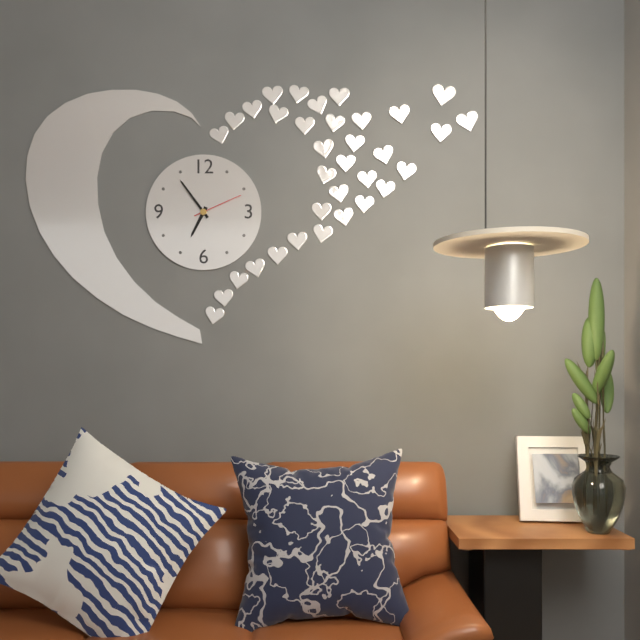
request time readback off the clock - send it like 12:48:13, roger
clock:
6:54:11
